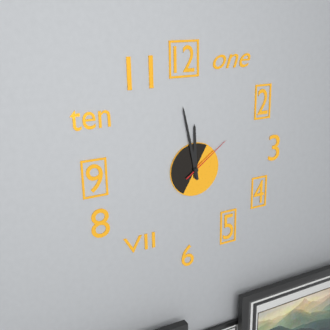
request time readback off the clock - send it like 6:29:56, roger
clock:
11:58:09
